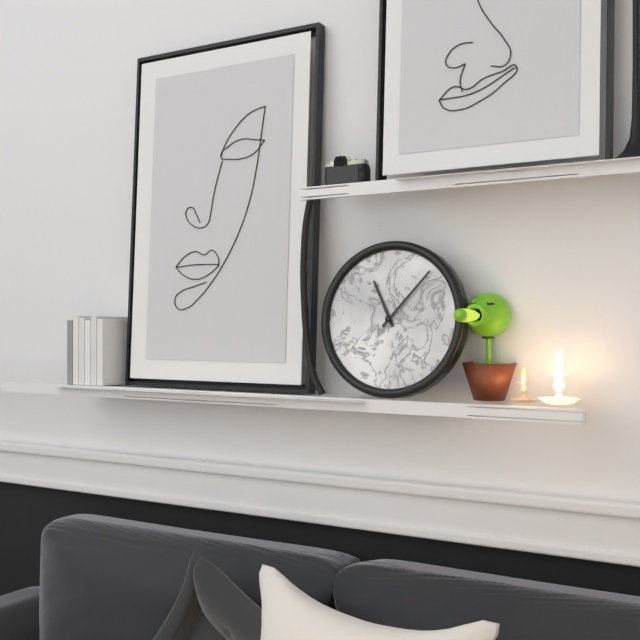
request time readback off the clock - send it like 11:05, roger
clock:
11:07
